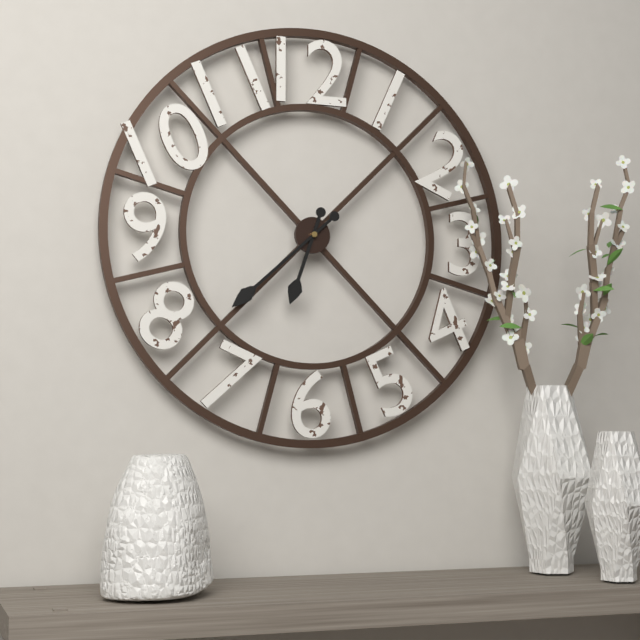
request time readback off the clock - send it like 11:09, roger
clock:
6:38
